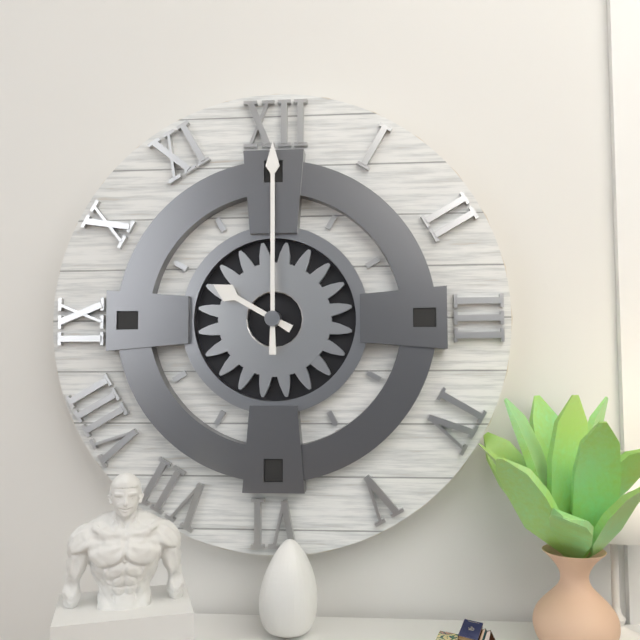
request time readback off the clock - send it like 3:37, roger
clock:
10:00
